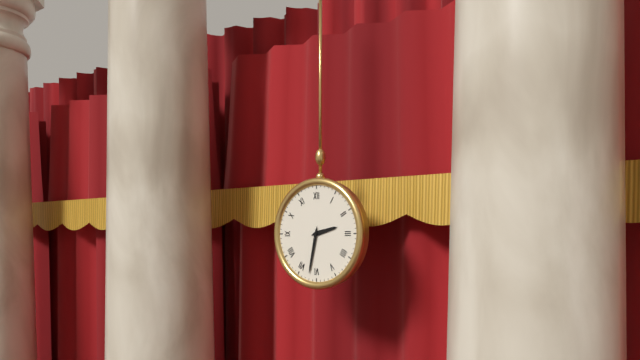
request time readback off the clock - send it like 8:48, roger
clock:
2:32
